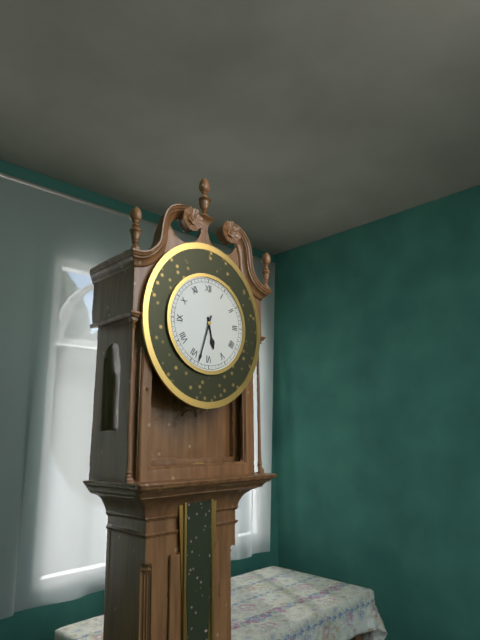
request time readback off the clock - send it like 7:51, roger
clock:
5:33
